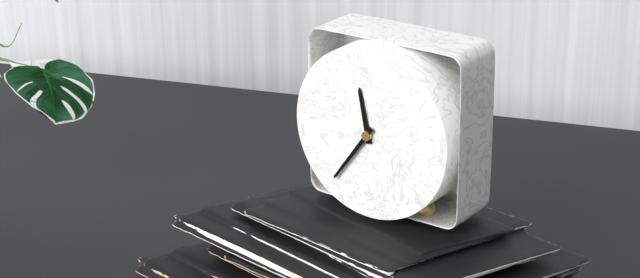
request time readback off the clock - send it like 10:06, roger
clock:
11:36
